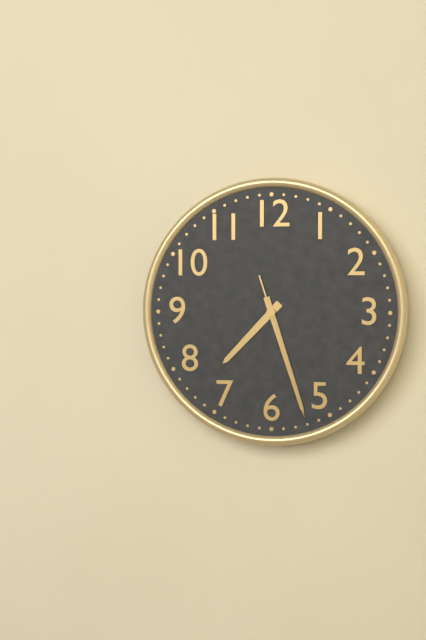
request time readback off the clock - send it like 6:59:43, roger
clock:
7:27:27
